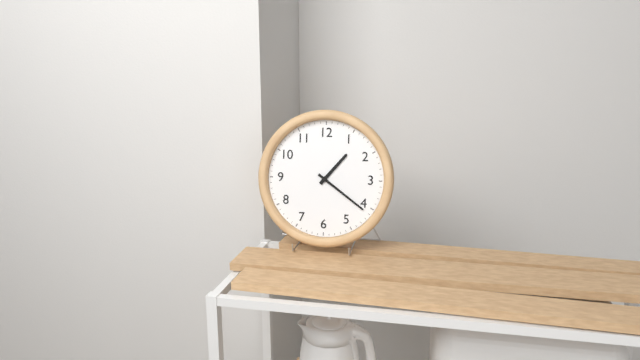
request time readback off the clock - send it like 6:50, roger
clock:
1:21
